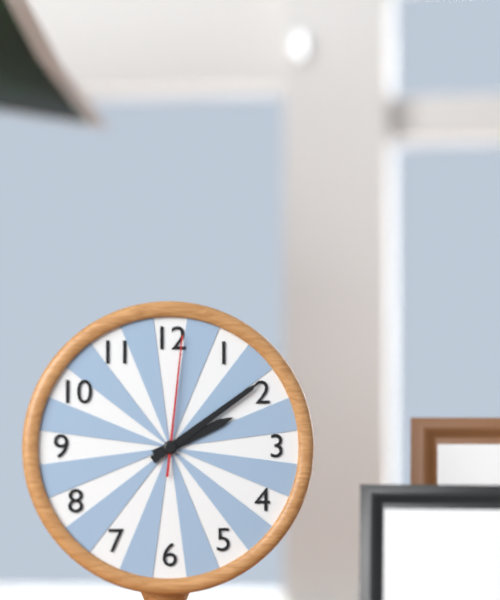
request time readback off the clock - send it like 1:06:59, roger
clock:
2:09:01
